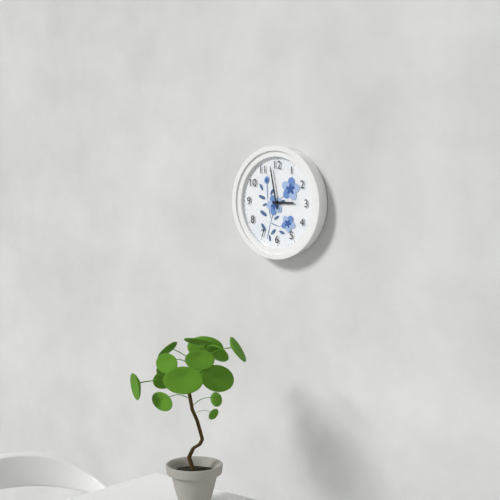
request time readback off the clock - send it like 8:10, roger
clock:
2:58
